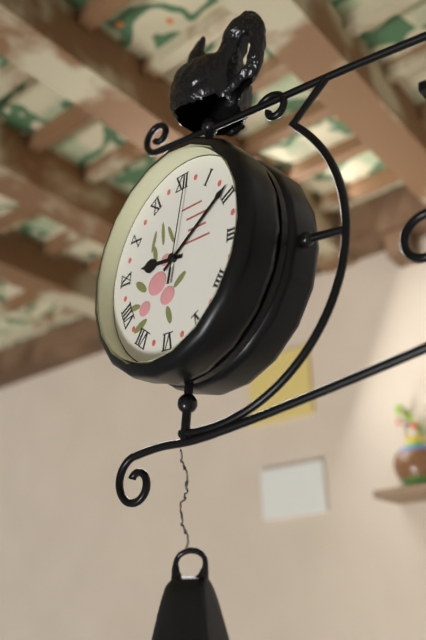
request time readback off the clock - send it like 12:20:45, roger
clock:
9:09:01
